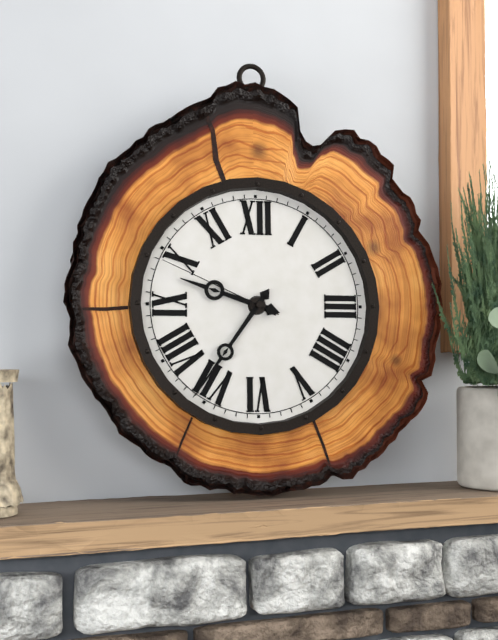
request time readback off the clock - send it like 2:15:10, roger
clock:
9:36:49
